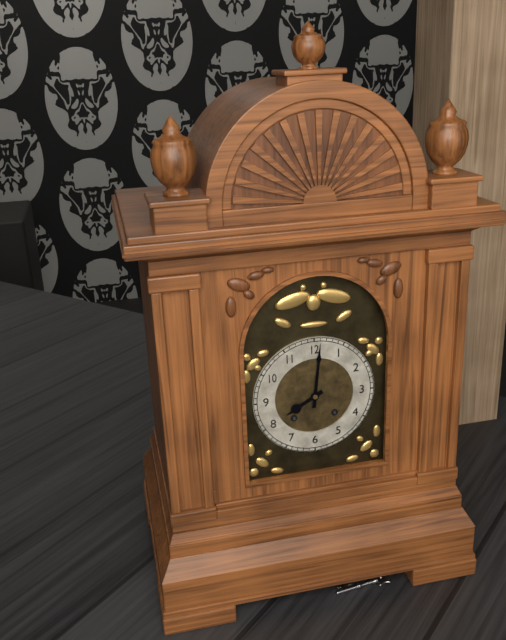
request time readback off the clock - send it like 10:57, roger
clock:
8:01
